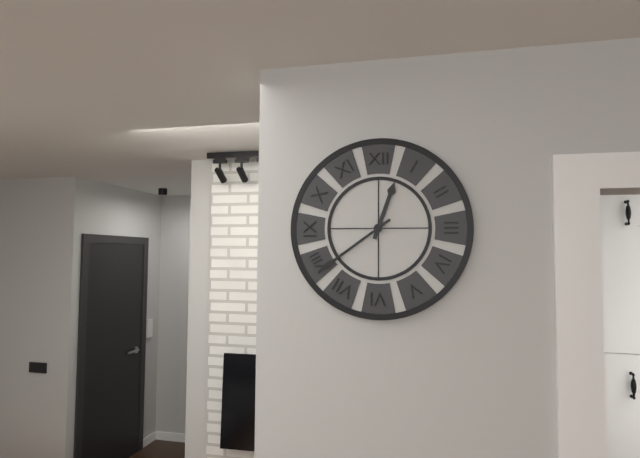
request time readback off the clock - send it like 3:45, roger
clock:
12:39
